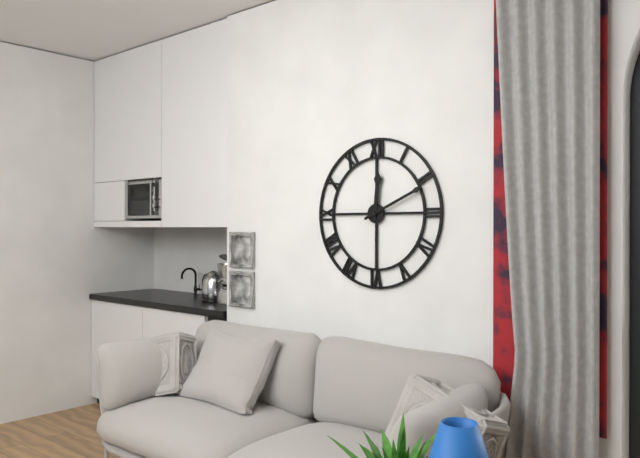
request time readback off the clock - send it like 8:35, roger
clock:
12:11
